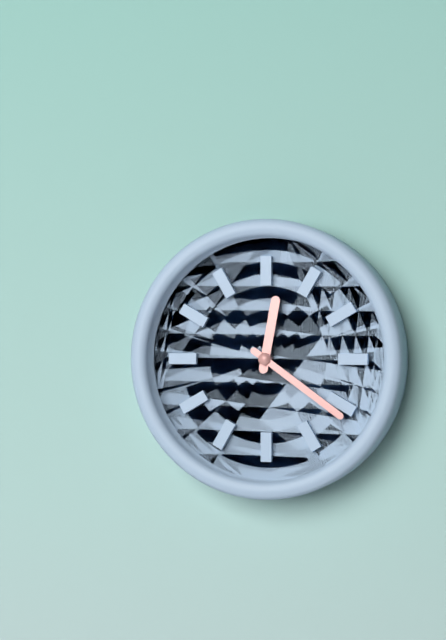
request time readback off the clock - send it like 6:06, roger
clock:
12:21
